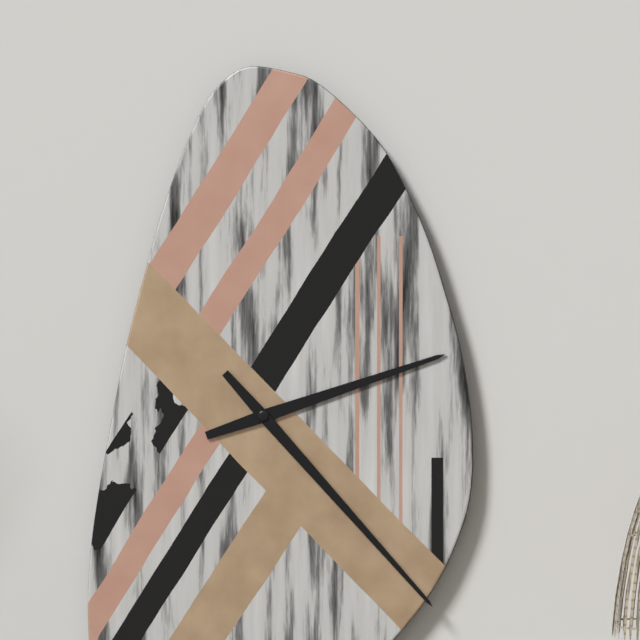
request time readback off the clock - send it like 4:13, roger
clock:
2:23
